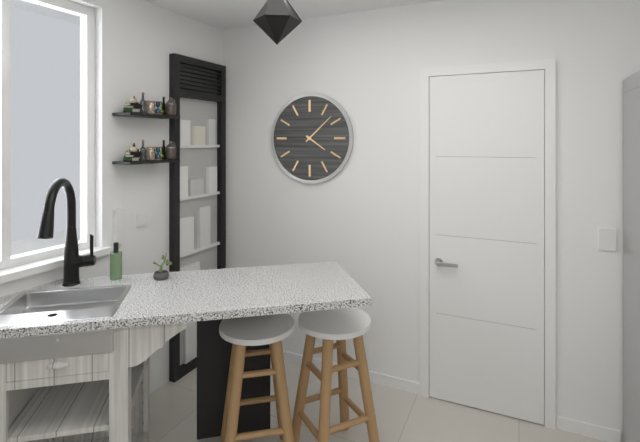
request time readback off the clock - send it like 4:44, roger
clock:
4:08
